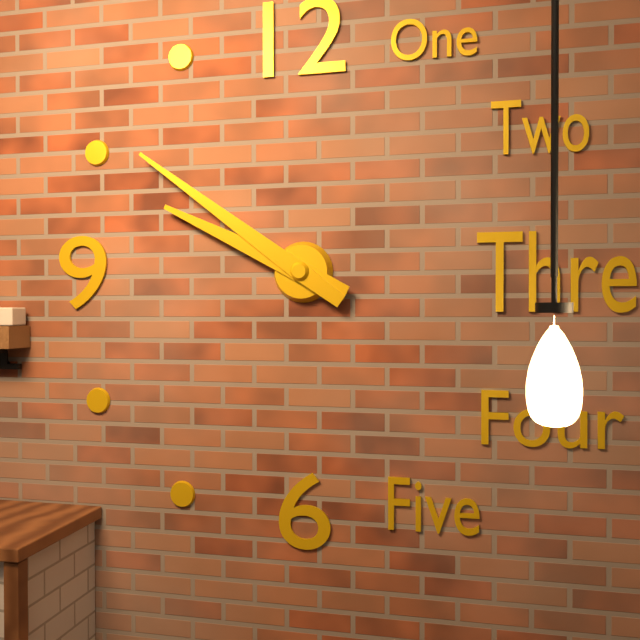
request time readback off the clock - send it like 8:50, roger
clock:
9:51
